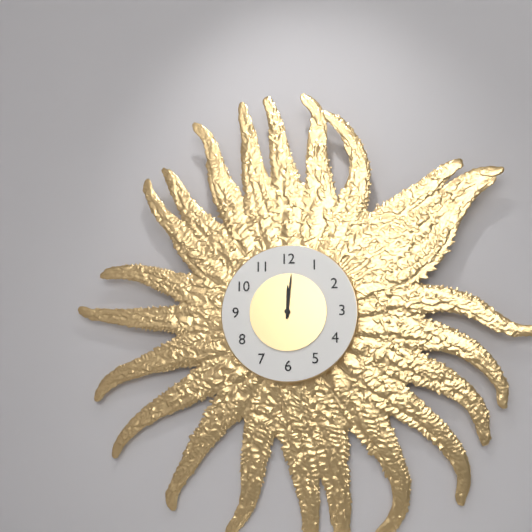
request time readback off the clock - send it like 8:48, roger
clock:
12:01
